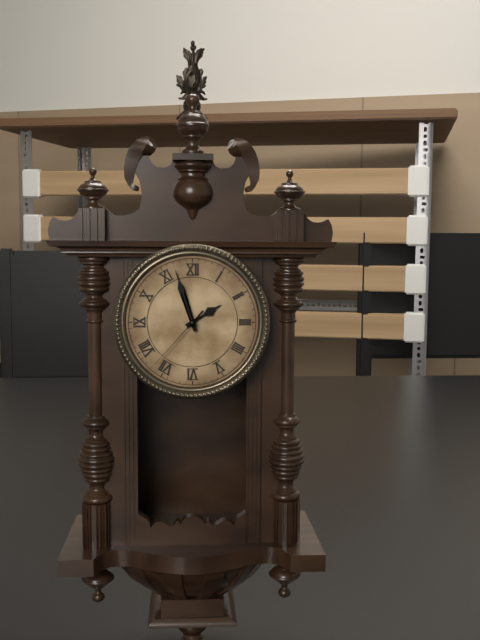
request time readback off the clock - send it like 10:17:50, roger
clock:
1:57:37
